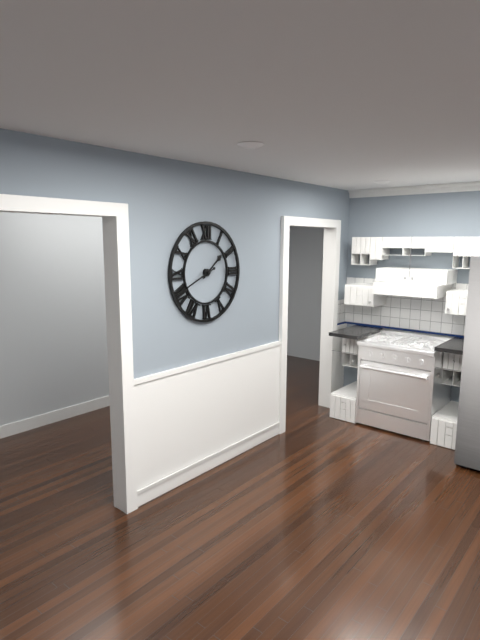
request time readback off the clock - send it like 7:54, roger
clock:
1:41
